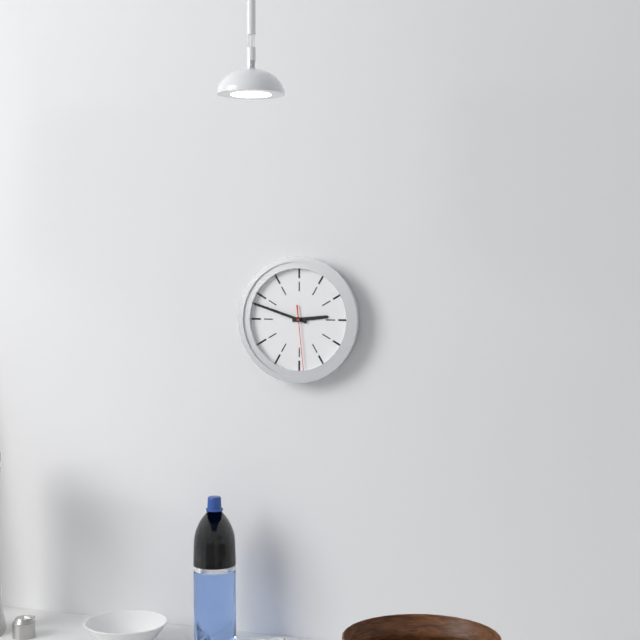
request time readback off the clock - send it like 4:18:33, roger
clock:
2:48:29
